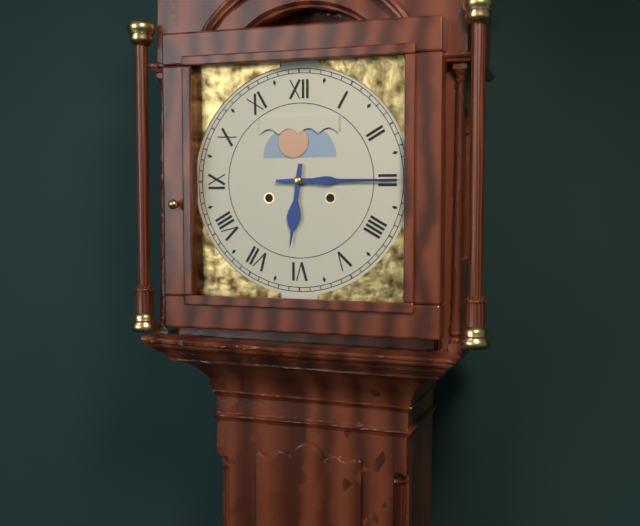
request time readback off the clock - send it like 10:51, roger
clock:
6:15
